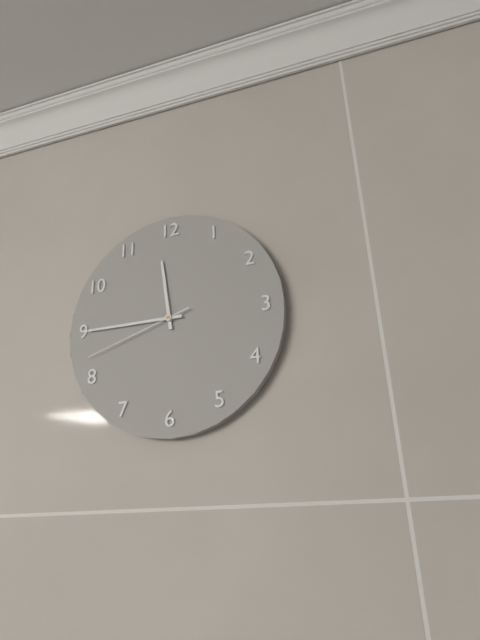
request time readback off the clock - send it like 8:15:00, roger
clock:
11:45:42
